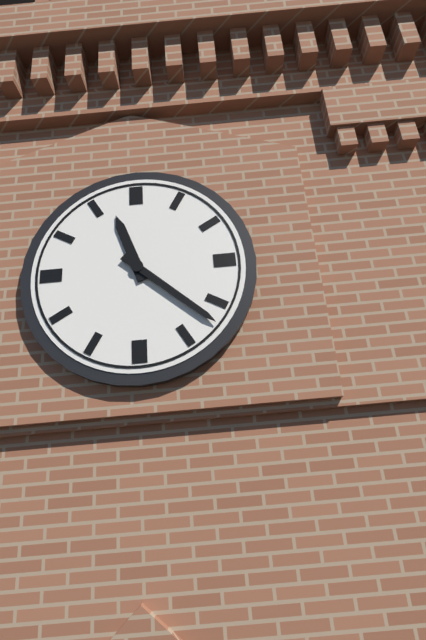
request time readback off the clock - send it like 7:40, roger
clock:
11:22
